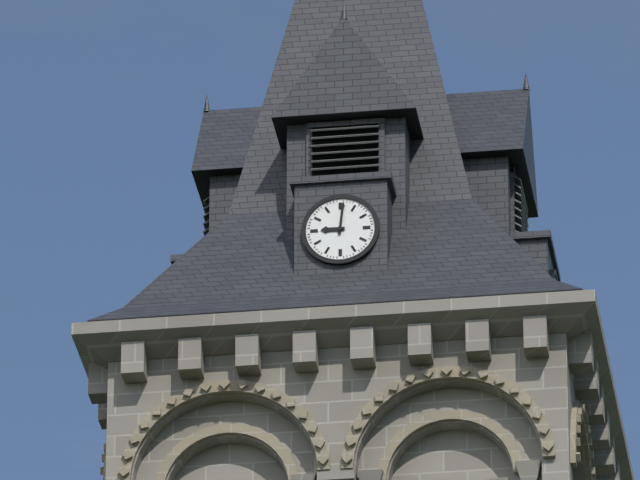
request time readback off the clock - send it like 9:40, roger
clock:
9:01
